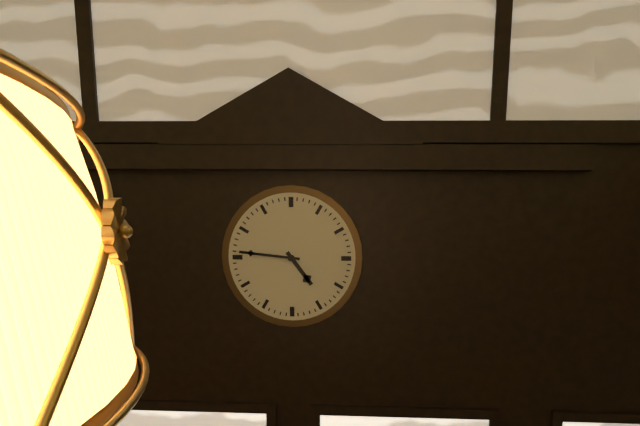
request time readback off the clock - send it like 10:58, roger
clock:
4:46
